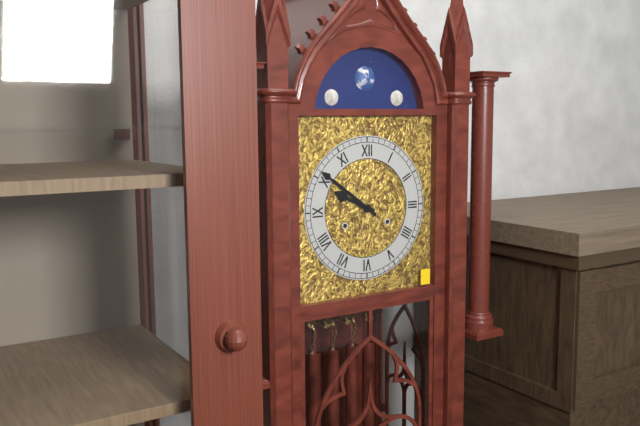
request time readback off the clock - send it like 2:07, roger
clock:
9:51
